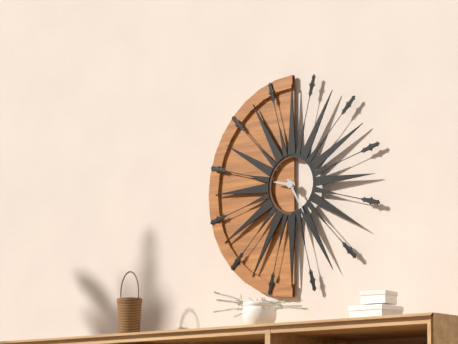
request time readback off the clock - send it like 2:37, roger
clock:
9:25
